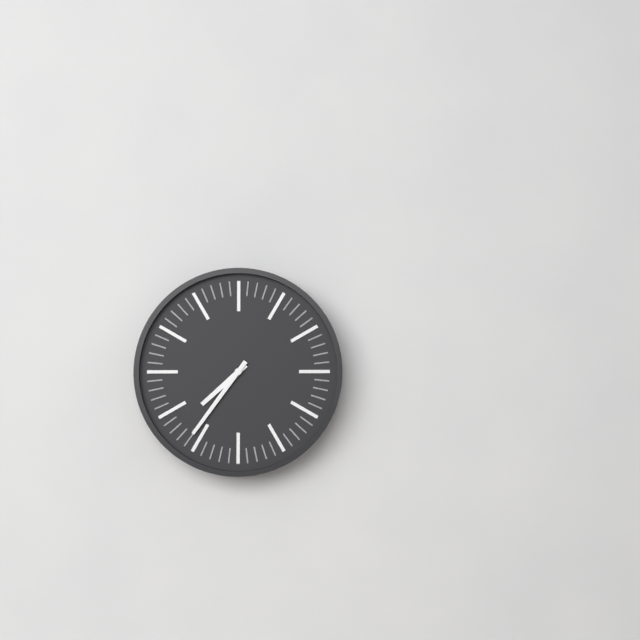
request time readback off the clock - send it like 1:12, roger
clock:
7:36
